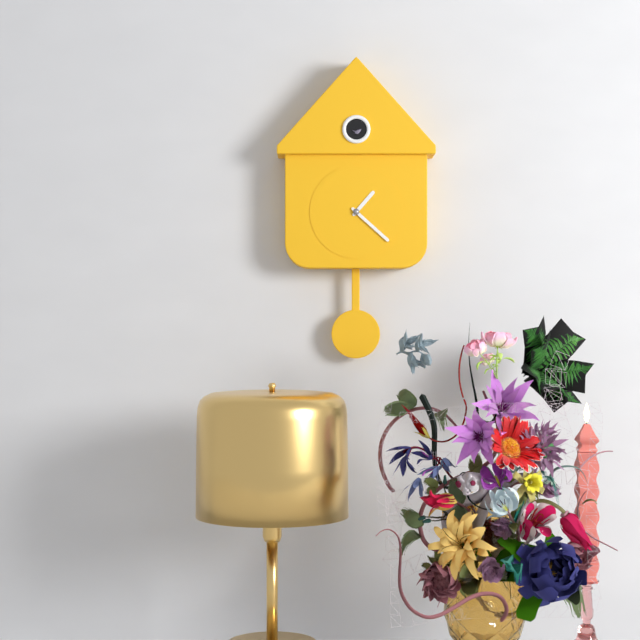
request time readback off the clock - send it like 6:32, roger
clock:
1:22
